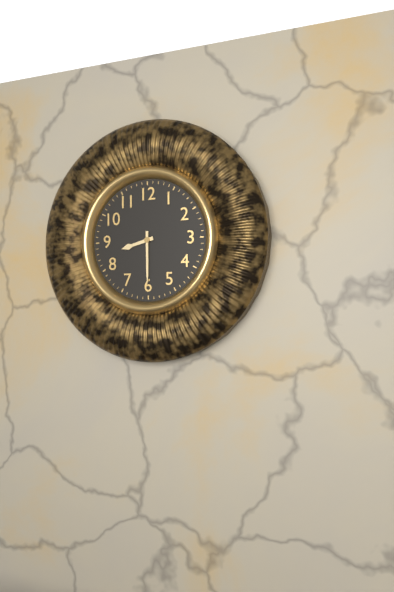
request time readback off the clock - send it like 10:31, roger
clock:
8:30
